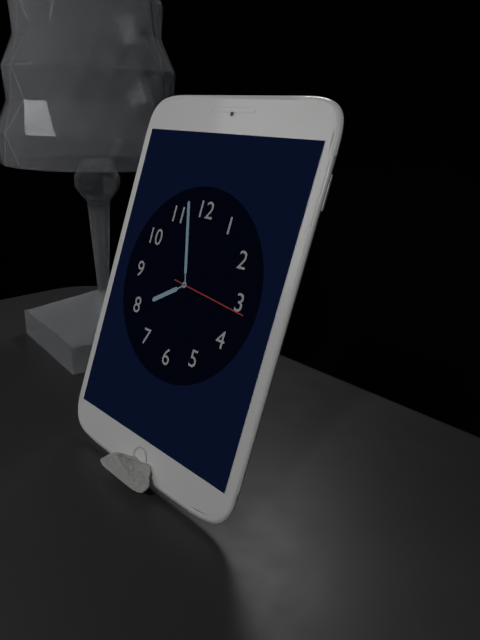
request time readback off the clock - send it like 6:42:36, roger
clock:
7:57:16
